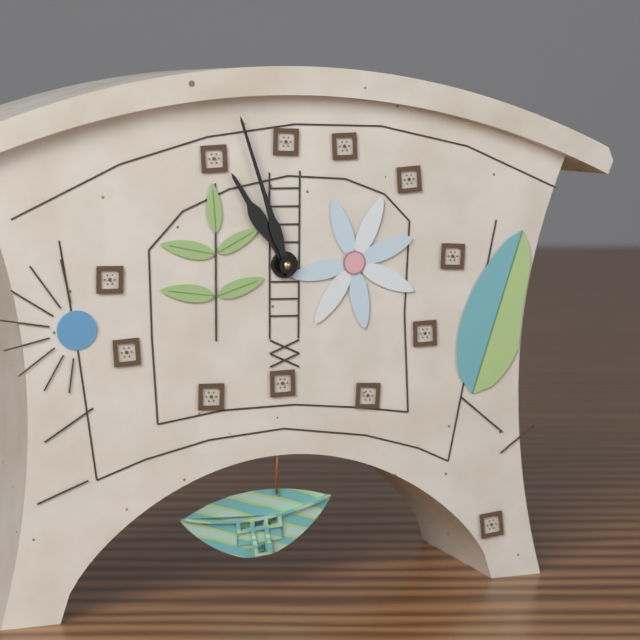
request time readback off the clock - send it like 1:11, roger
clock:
10:57
